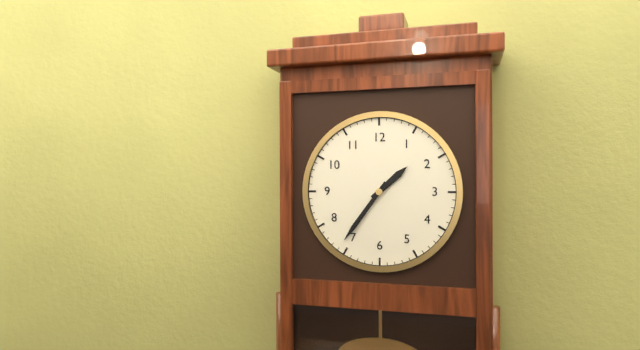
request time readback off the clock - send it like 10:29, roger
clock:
1:36
